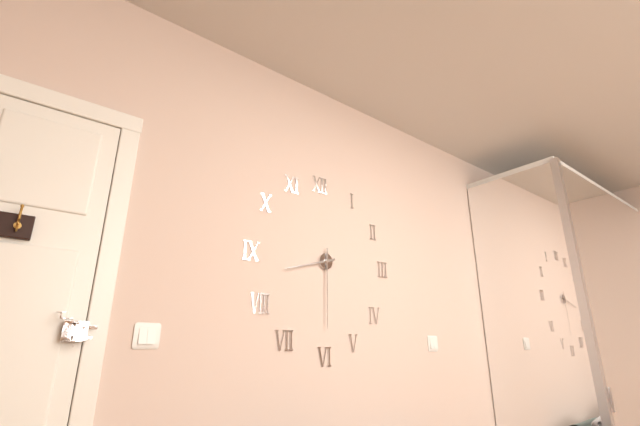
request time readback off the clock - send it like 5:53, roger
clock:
8:30
